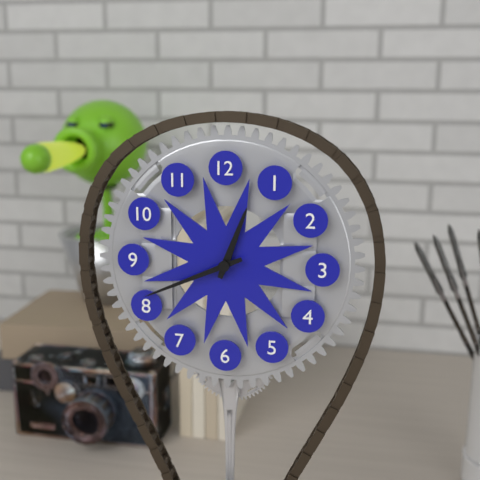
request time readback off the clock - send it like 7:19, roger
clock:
12:41
